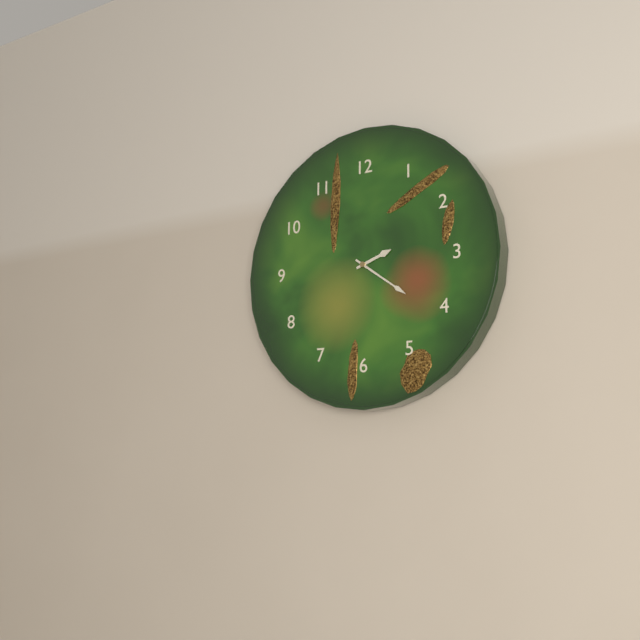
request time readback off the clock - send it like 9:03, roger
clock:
2:21
